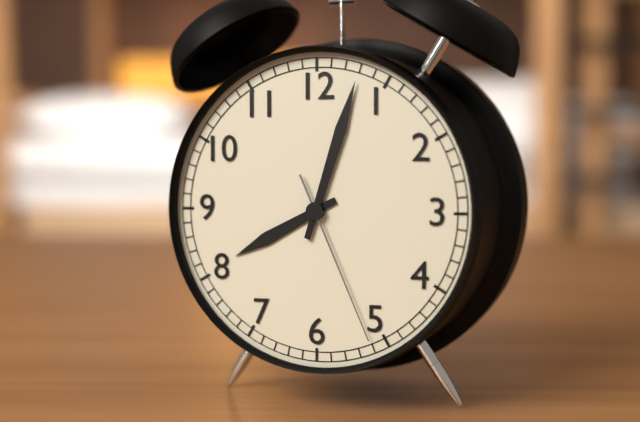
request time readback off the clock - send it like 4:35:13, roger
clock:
8:03:26
